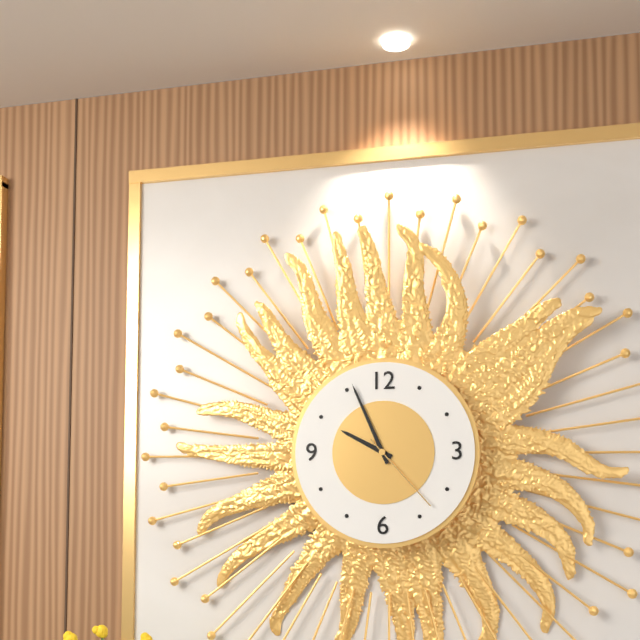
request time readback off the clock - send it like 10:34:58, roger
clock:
9:56:23
